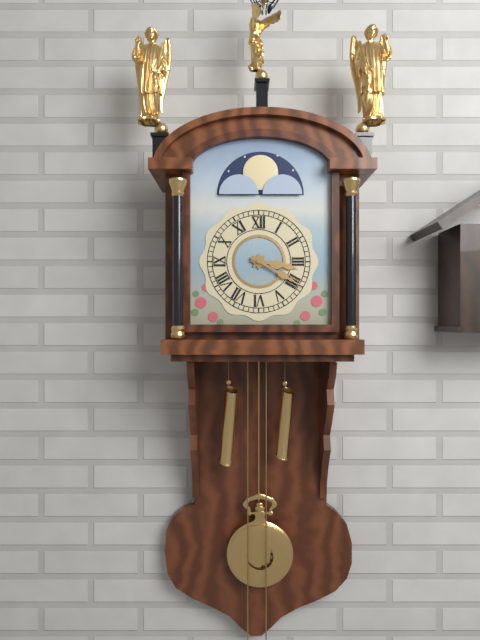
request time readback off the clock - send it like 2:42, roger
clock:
3:20
